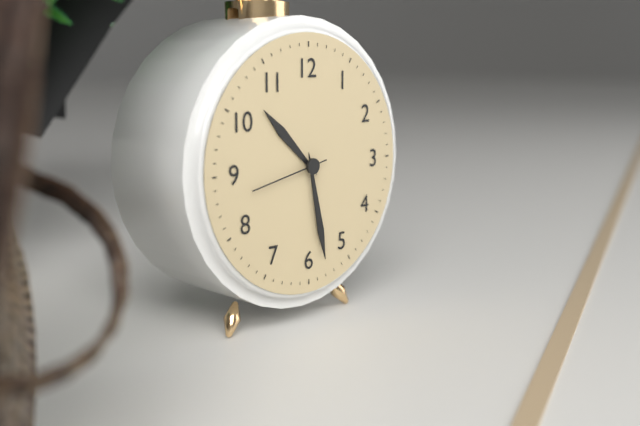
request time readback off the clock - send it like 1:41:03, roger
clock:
10:28:43
